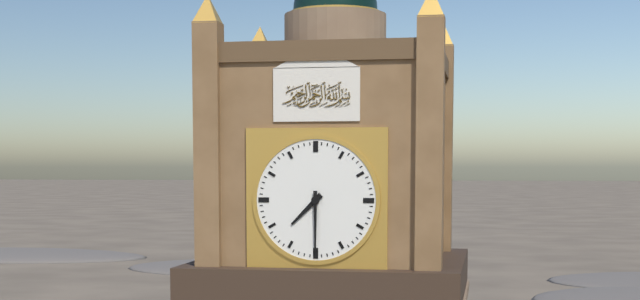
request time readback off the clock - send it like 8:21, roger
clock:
7:30
